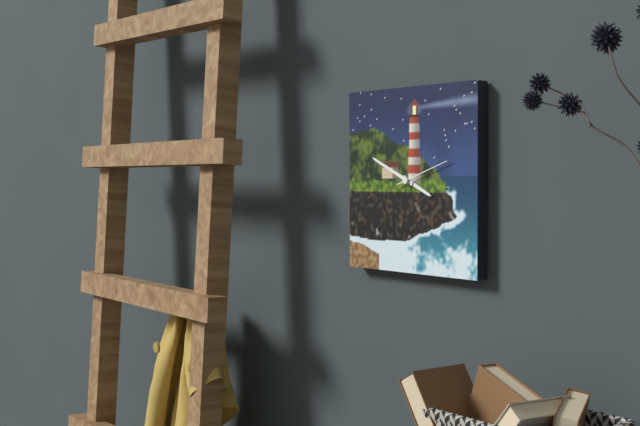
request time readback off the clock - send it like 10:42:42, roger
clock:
3:49:12
